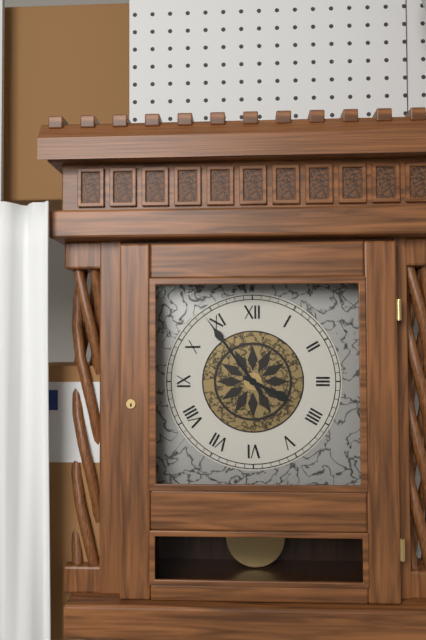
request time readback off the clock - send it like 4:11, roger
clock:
3:54
